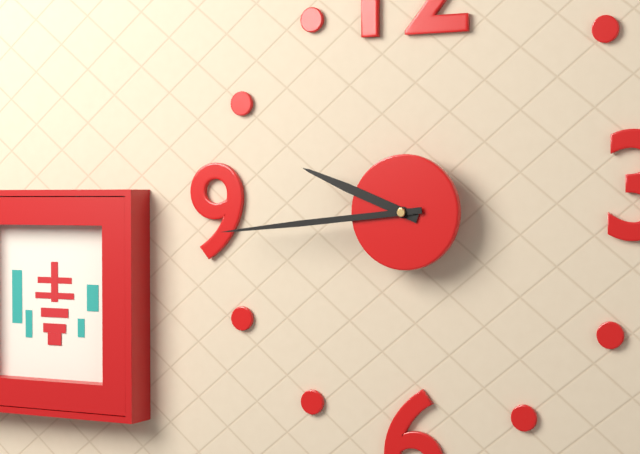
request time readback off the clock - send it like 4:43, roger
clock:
9:44
